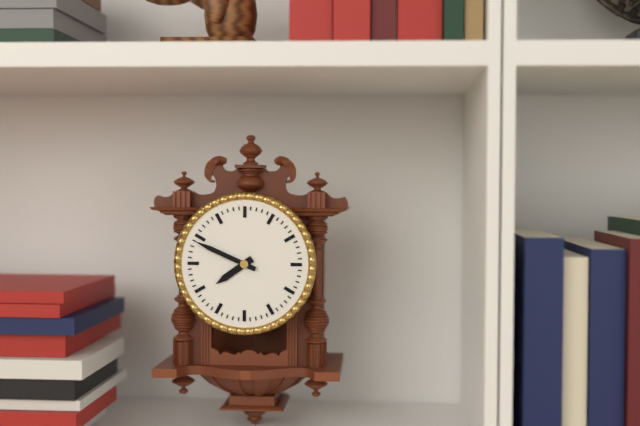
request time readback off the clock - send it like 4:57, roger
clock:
7:49
